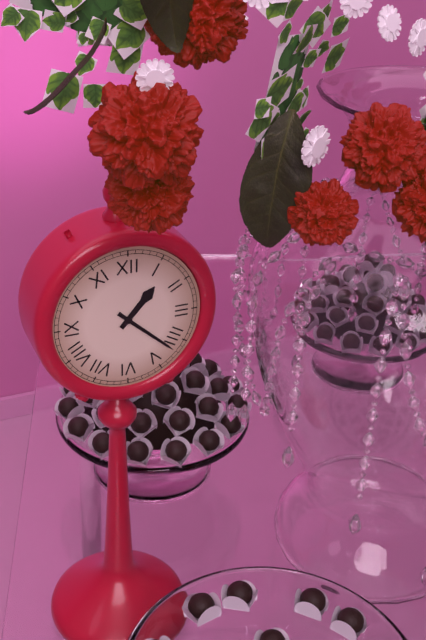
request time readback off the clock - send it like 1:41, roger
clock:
1:22
